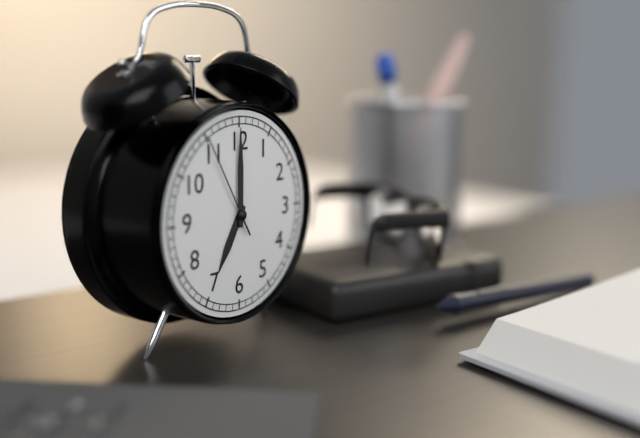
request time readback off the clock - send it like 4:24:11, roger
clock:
7:00:55
